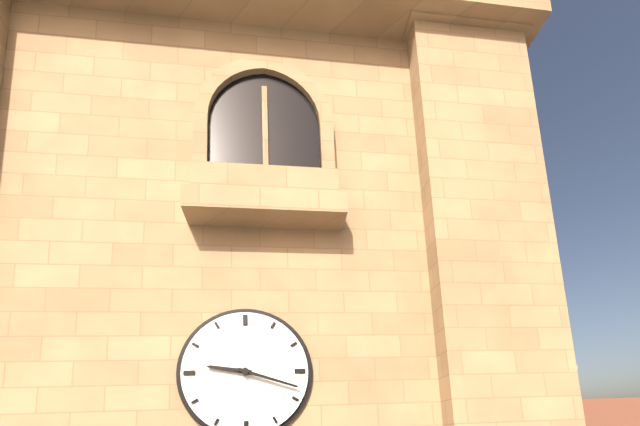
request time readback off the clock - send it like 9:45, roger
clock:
9:18
